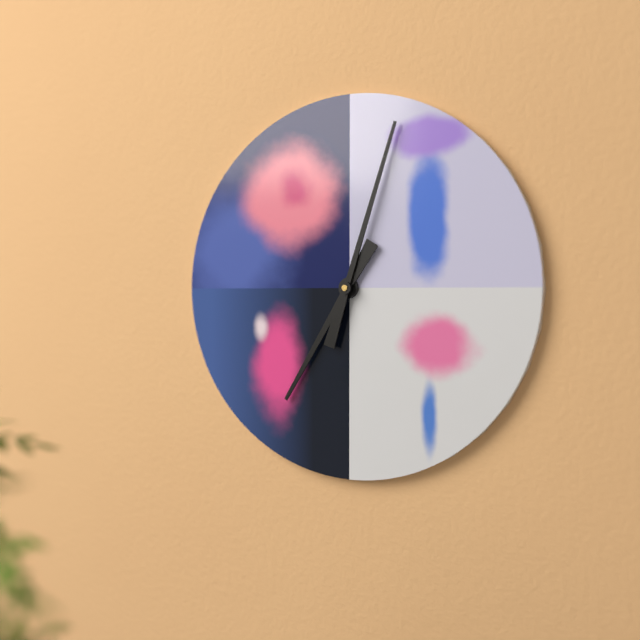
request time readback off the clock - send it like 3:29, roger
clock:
7:03
